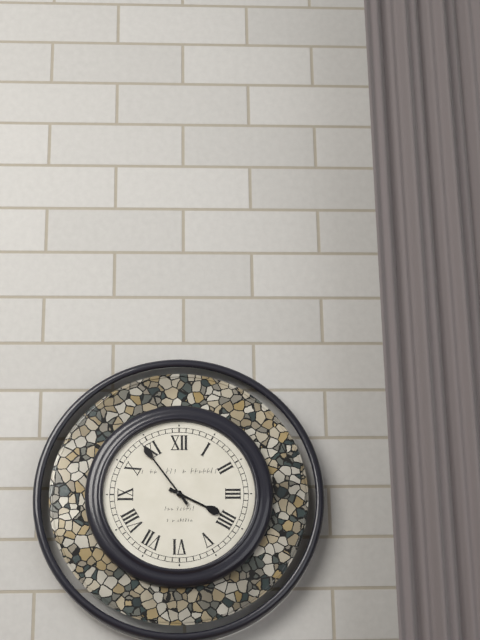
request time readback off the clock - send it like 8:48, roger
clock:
3:54
